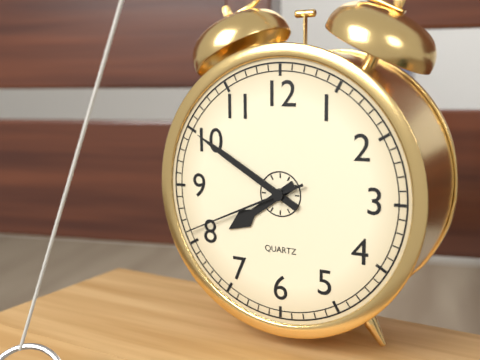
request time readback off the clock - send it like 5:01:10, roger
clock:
7:50:41
